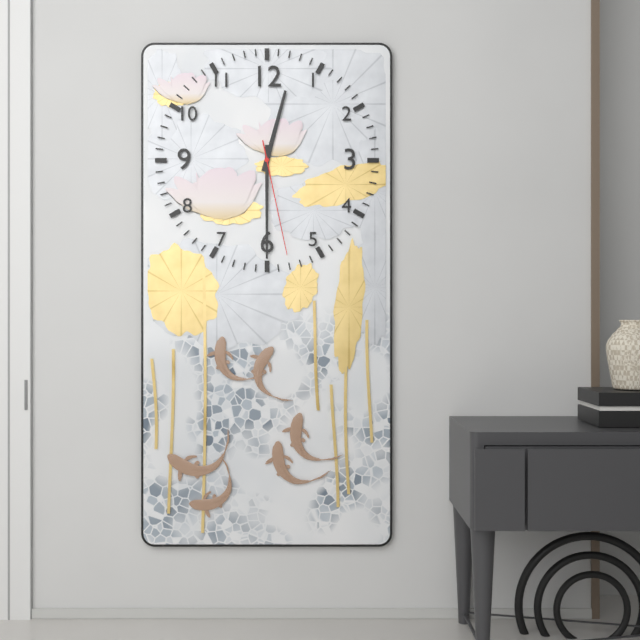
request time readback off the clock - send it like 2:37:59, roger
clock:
12:30:28
